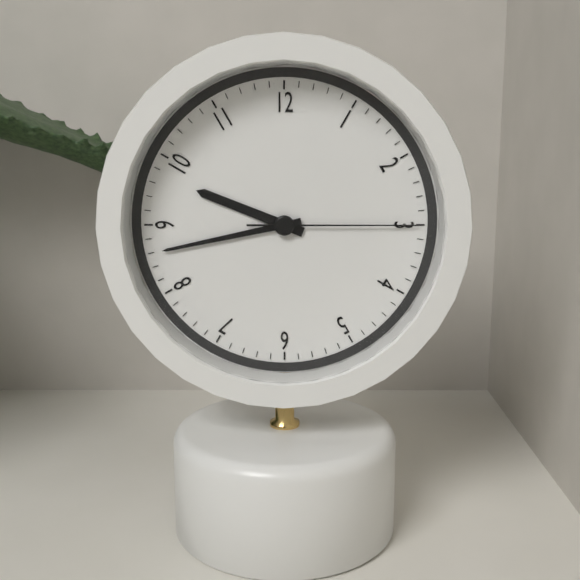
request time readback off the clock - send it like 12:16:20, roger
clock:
9:43:15
